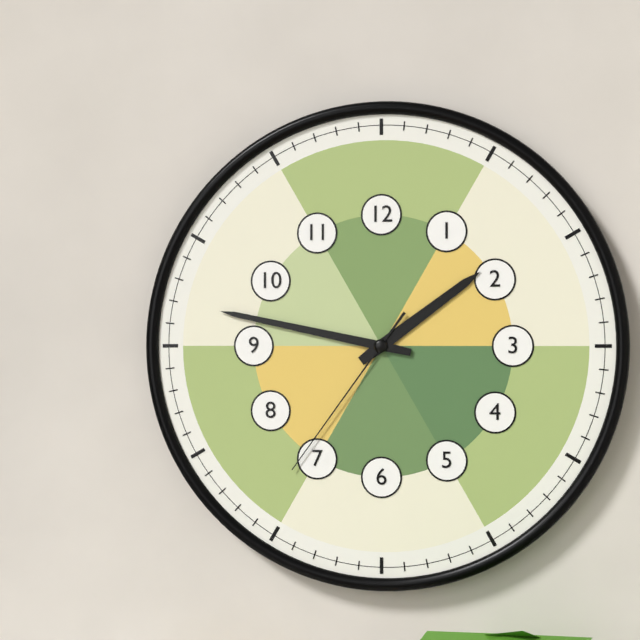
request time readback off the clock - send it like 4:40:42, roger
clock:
1:47:36
